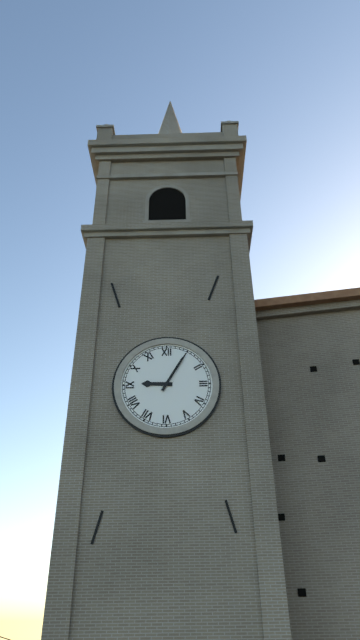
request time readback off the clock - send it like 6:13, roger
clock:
9:05
